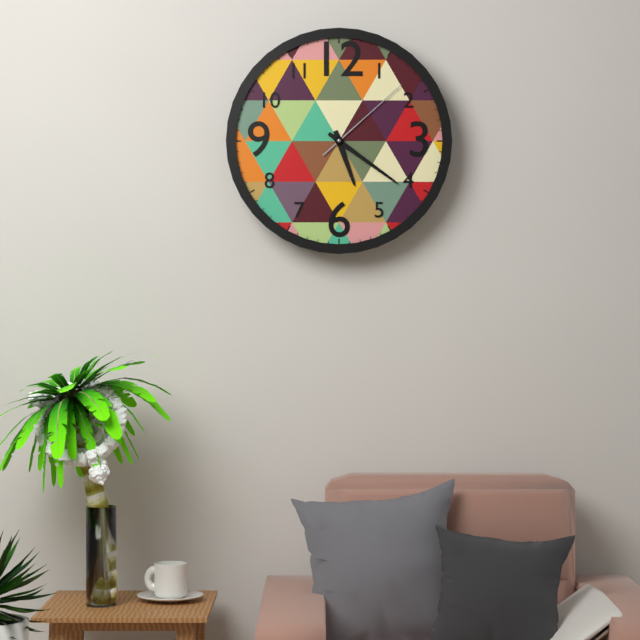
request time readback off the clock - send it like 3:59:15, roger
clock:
5:21:08
